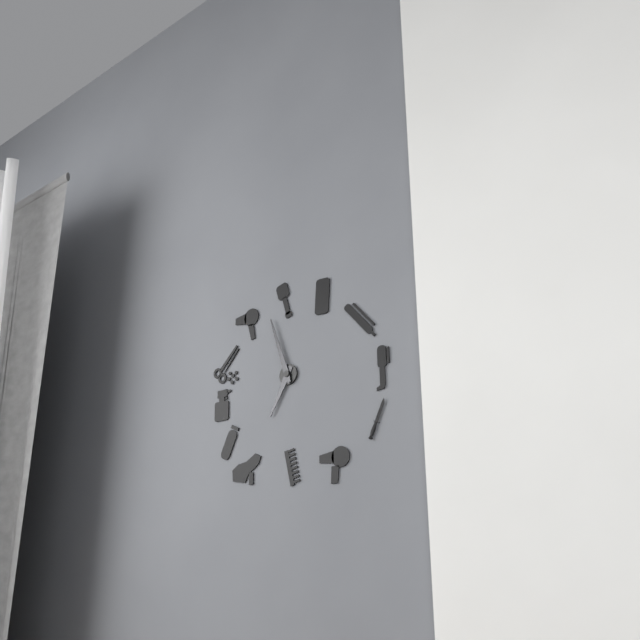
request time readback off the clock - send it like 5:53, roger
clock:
6:57
